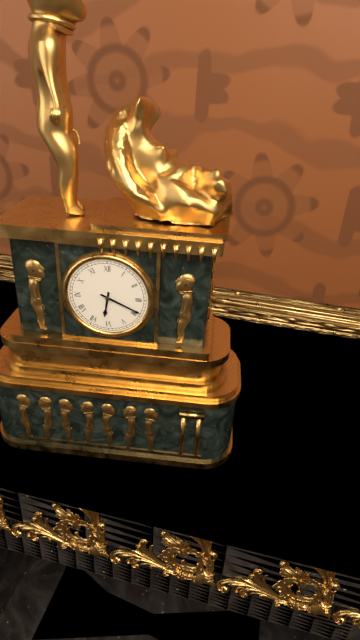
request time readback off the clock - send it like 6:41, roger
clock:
6:19
